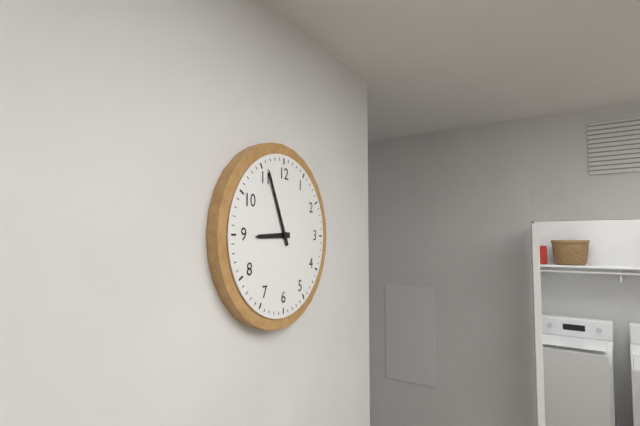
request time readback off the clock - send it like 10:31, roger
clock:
8:56
